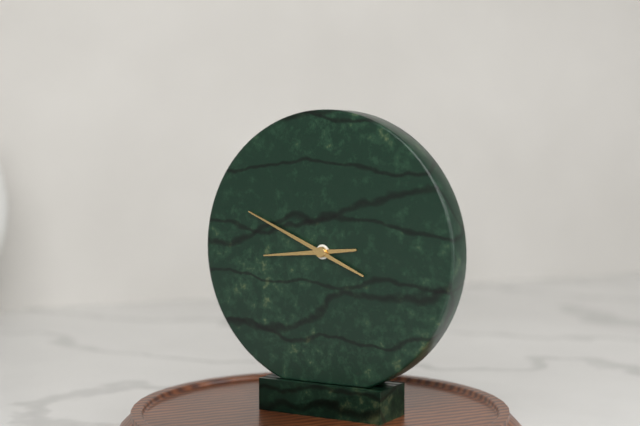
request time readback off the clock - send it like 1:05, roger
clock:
8:49
